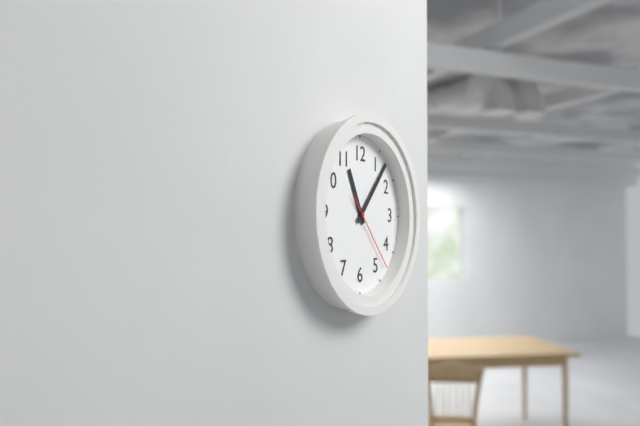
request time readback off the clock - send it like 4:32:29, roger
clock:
11:07:23
